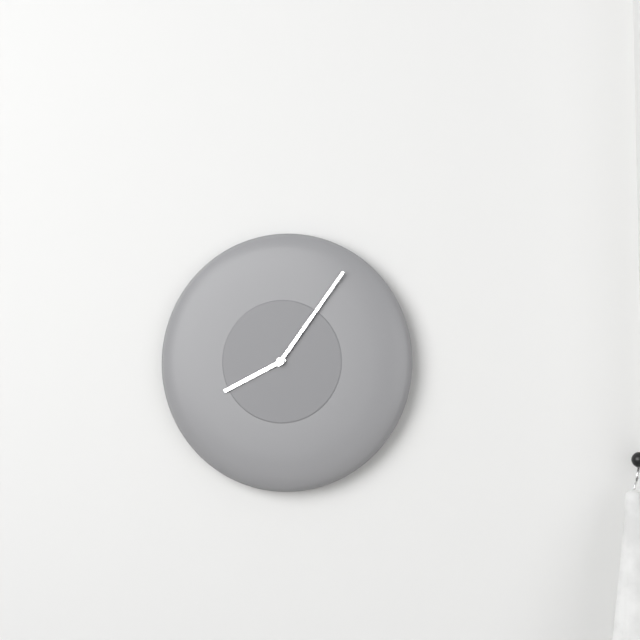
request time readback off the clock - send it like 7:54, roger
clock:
8:06
